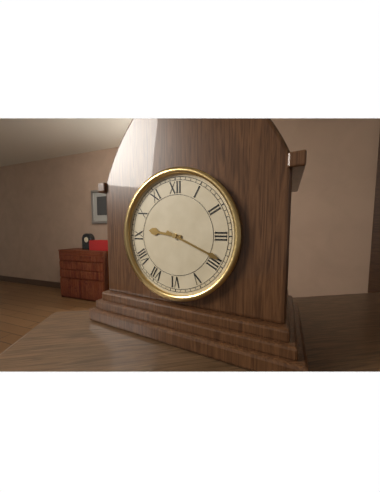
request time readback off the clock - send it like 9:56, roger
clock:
9:19
